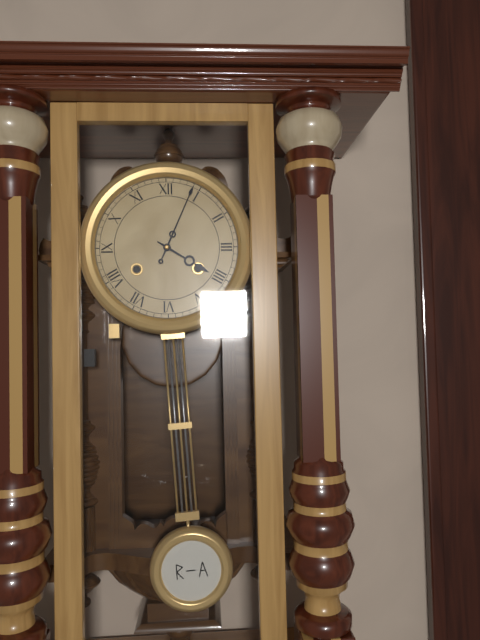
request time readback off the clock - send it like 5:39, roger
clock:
4:04
